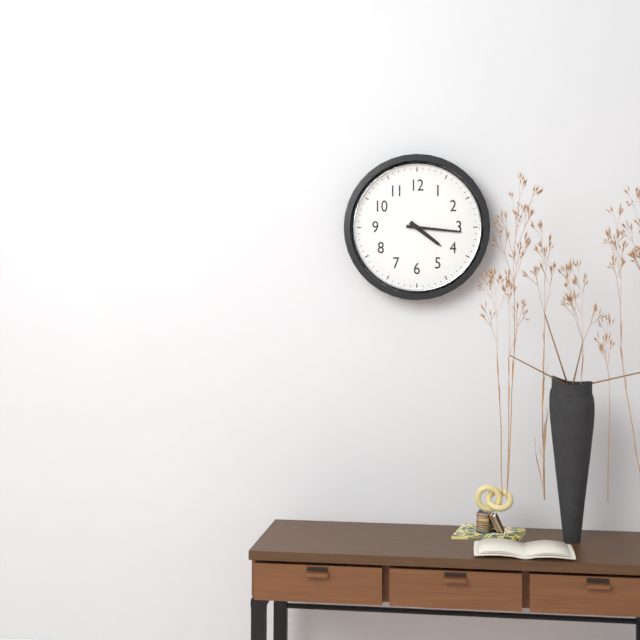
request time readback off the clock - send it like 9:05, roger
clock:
4:16
